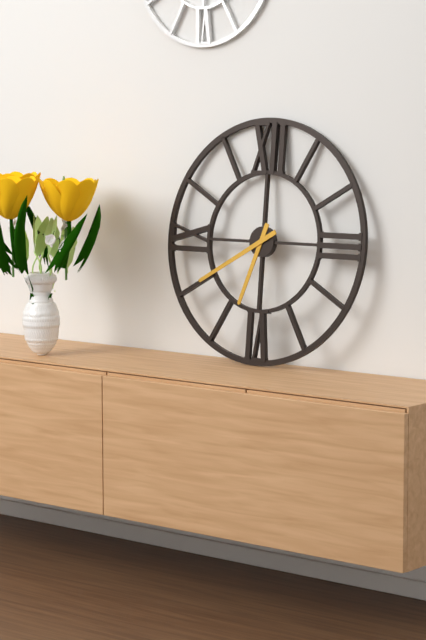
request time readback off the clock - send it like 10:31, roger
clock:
6:40
